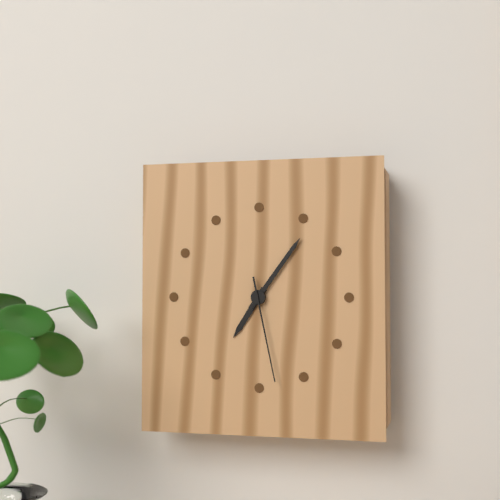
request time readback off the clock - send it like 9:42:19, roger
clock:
7:06:28
